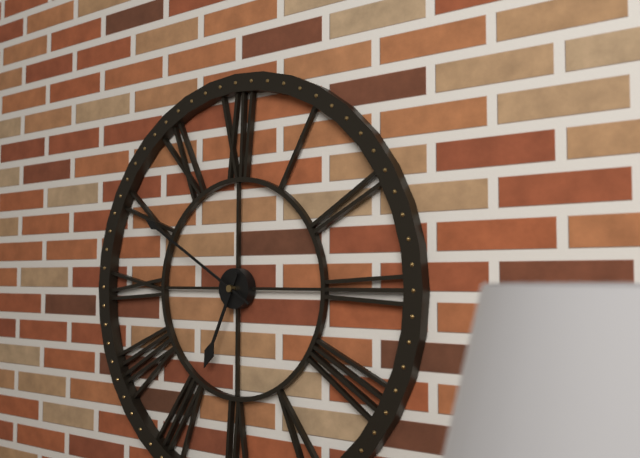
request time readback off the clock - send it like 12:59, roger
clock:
6:50
